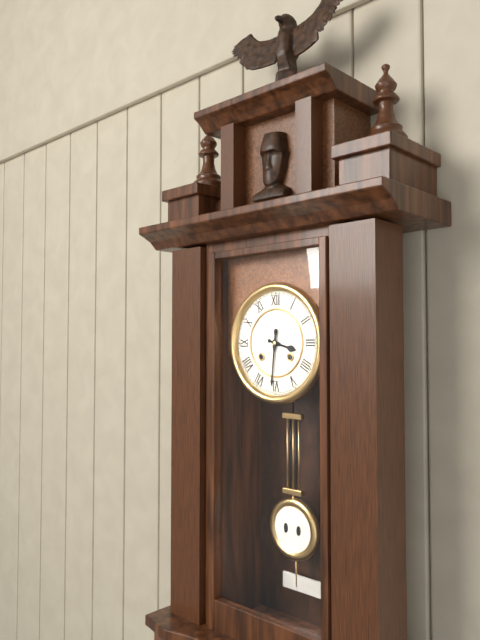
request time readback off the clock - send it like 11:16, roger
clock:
3:31
